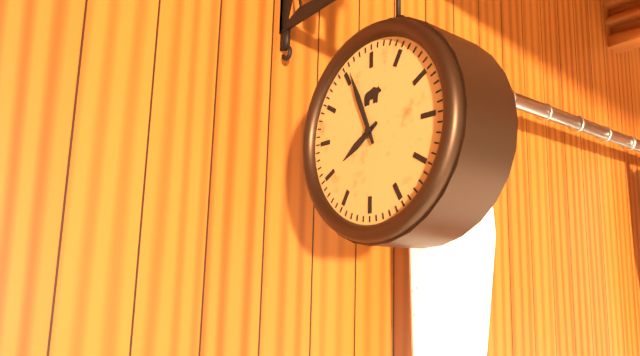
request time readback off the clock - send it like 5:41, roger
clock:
7:56
